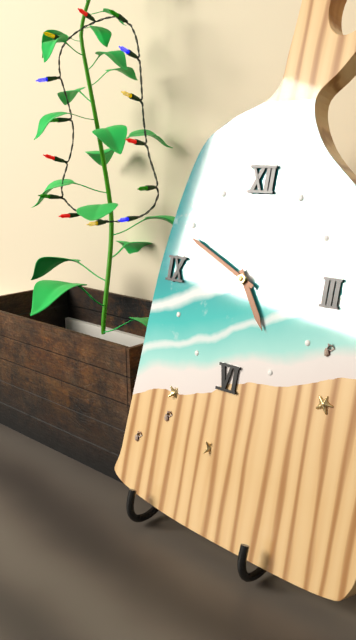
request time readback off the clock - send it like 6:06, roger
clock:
4:49
